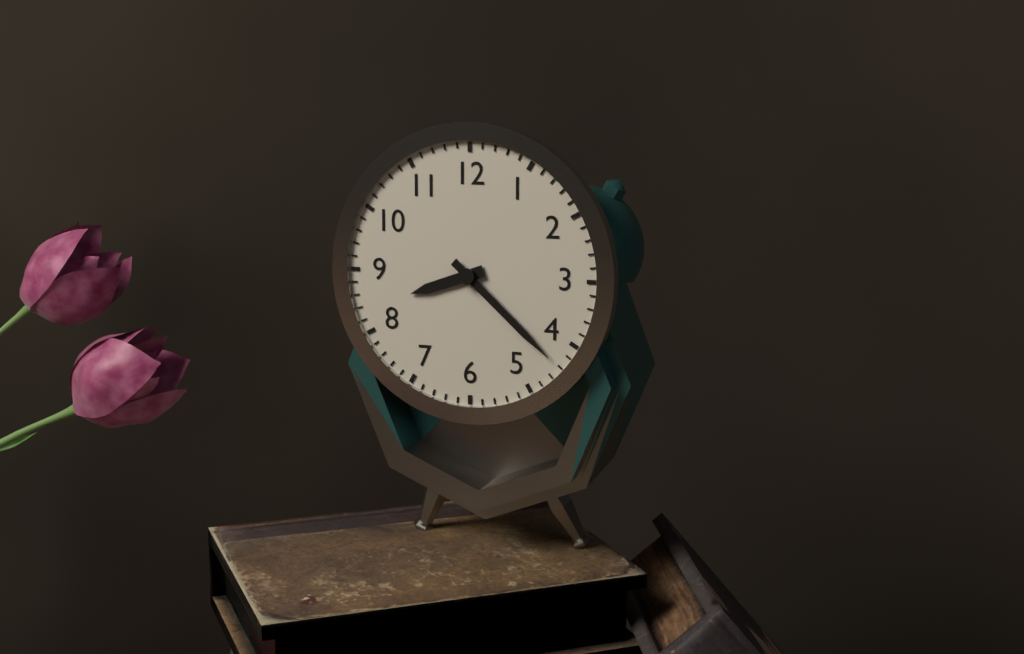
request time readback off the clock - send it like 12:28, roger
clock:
8:22
